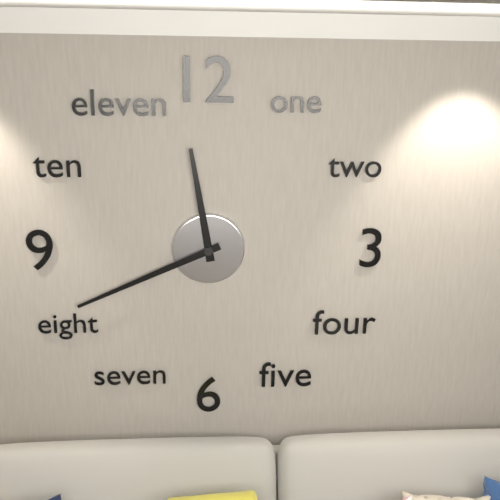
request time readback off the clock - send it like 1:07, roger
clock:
11:41
